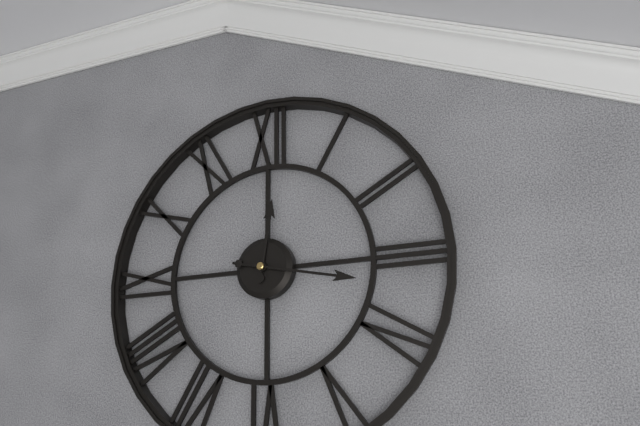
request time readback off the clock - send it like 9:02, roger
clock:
12:17
